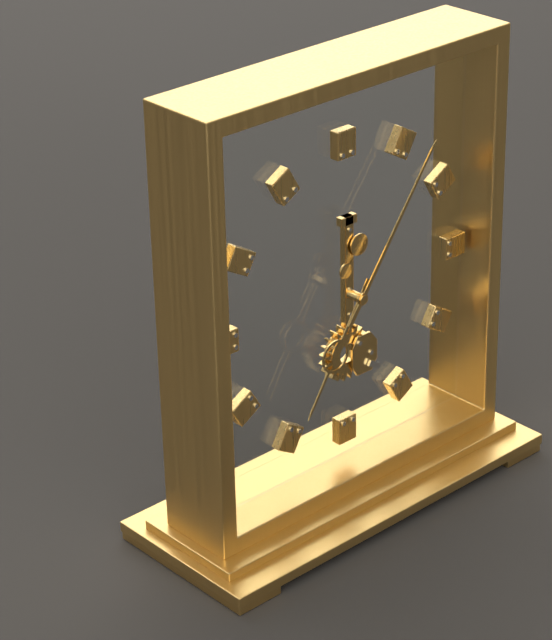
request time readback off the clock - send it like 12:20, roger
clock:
7:06
